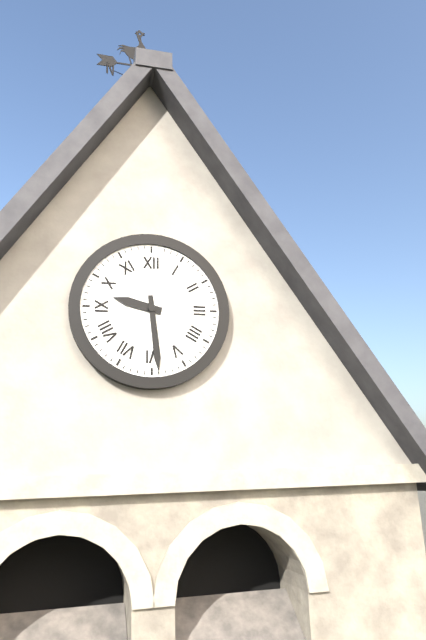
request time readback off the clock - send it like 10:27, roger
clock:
9:29
